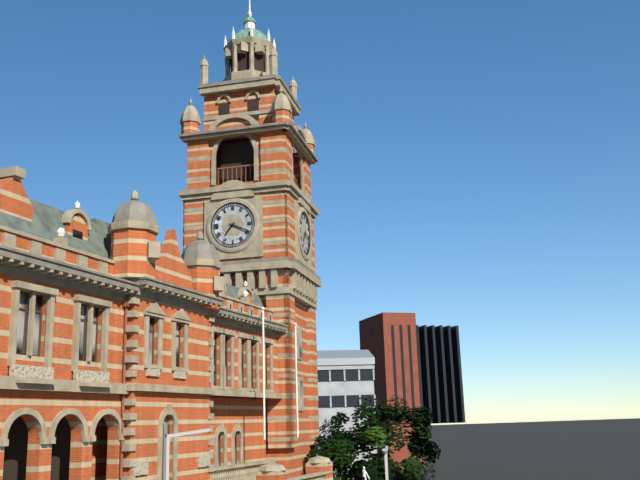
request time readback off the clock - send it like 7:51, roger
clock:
7:19
